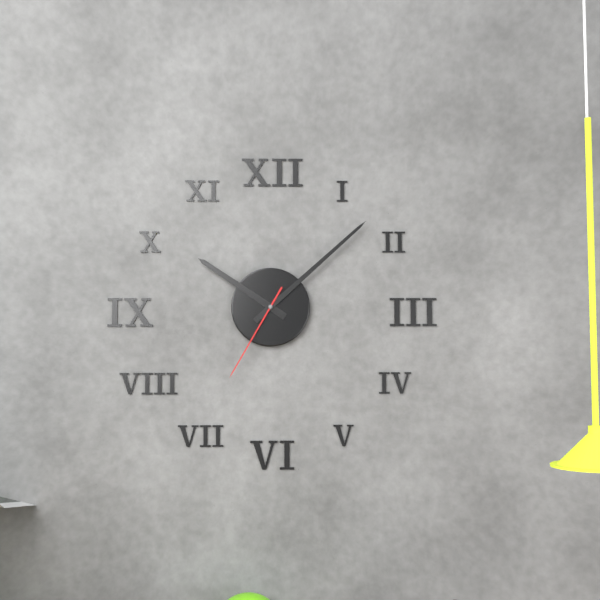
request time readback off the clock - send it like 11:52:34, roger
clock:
10:08:35
